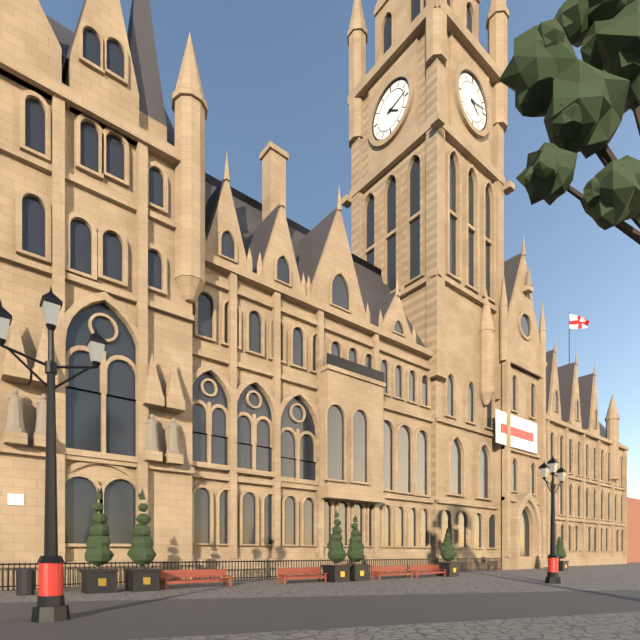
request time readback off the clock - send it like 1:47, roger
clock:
4:13
